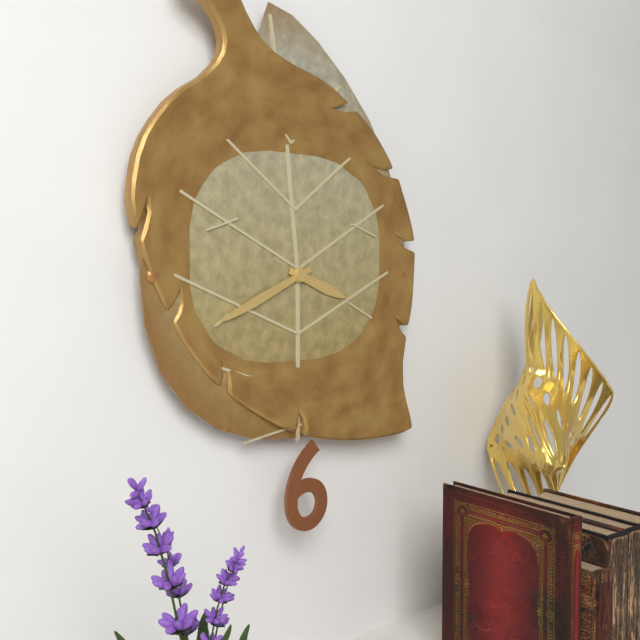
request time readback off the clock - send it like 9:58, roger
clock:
3:41
